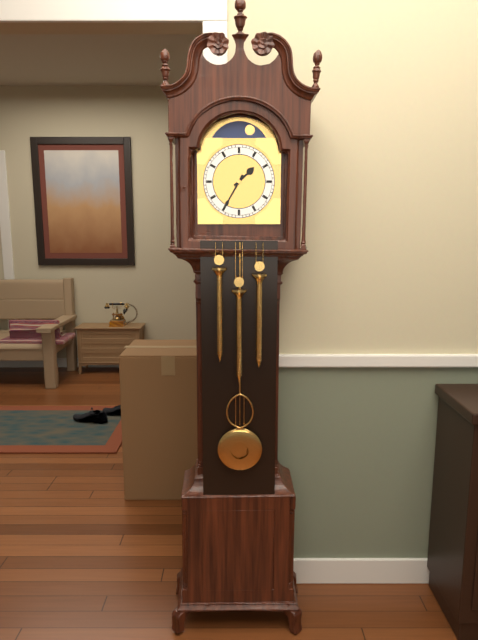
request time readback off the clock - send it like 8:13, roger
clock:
1:35
